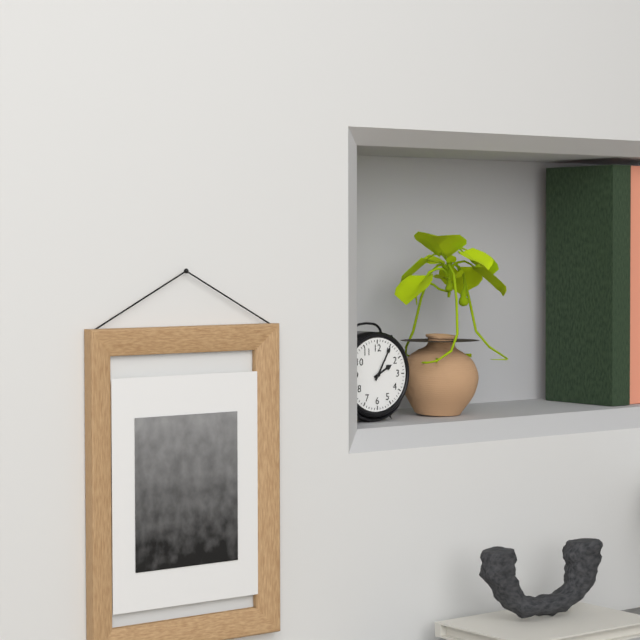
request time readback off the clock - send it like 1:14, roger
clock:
2:05
